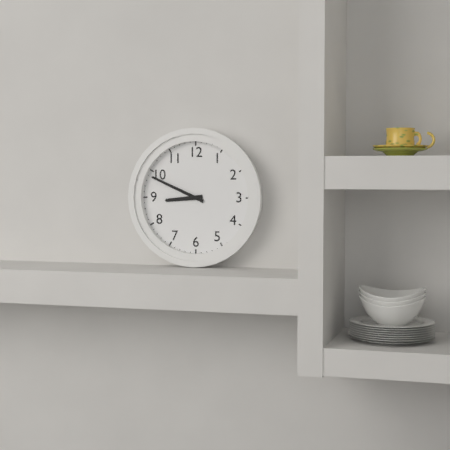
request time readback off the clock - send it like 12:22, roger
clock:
8:49
